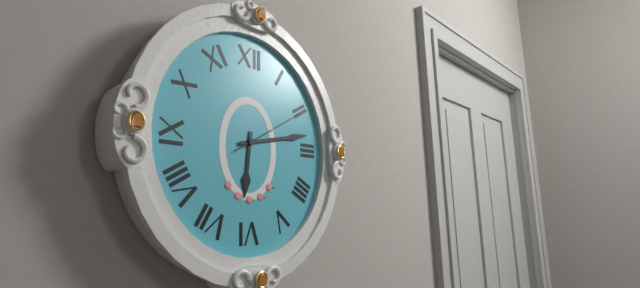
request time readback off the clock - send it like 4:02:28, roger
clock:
6:13:10
